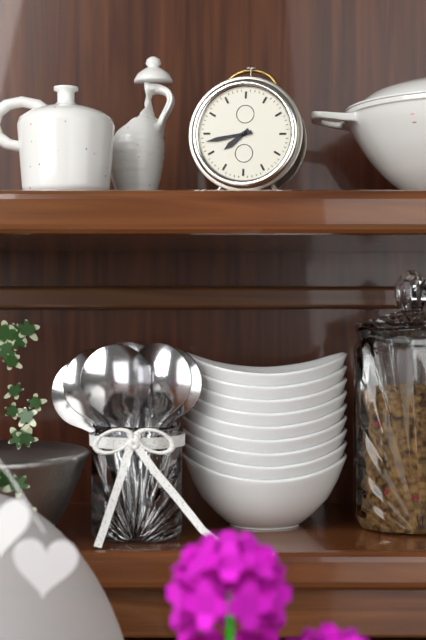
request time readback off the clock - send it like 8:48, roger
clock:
7:43
